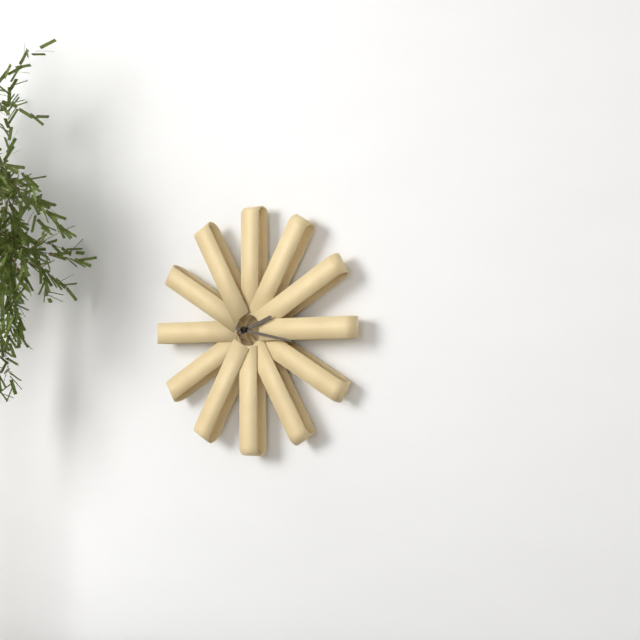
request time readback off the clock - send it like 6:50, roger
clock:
2:17
